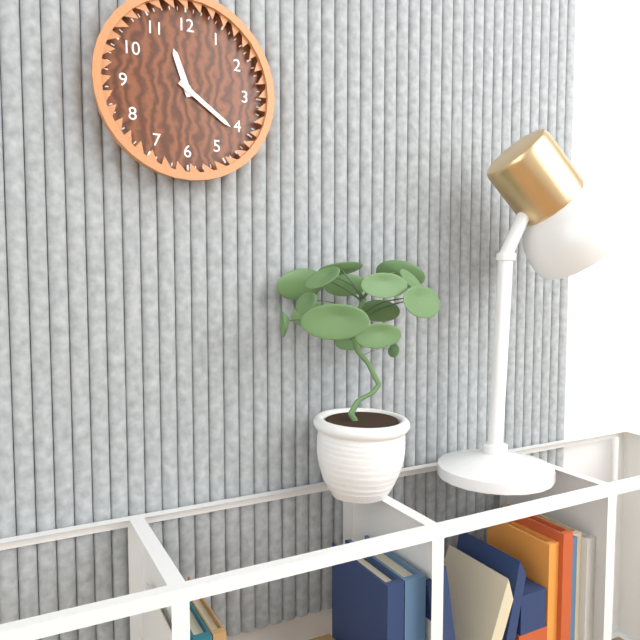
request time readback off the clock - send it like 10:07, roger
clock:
11:21
